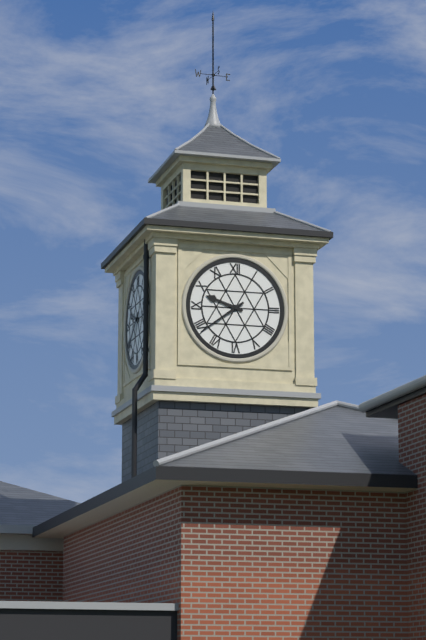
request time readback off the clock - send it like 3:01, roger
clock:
9:39
